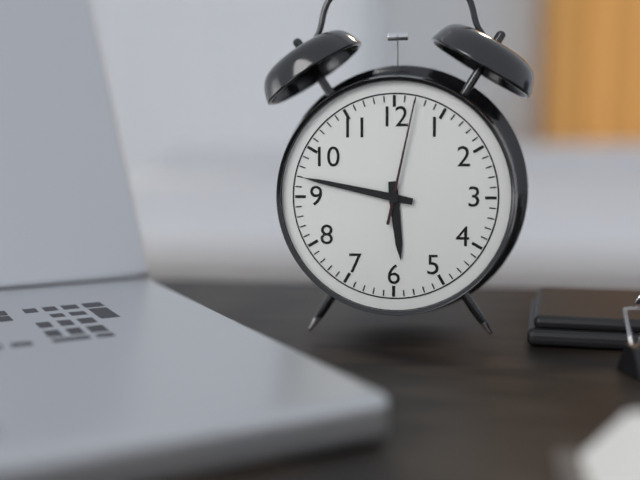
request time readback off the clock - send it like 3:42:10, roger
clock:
5:47:02
